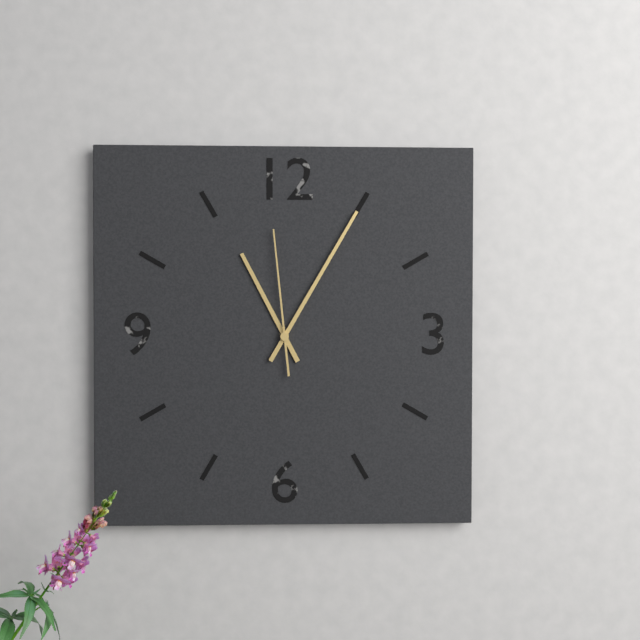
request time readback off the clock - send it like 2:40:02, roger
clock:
11:05:59
